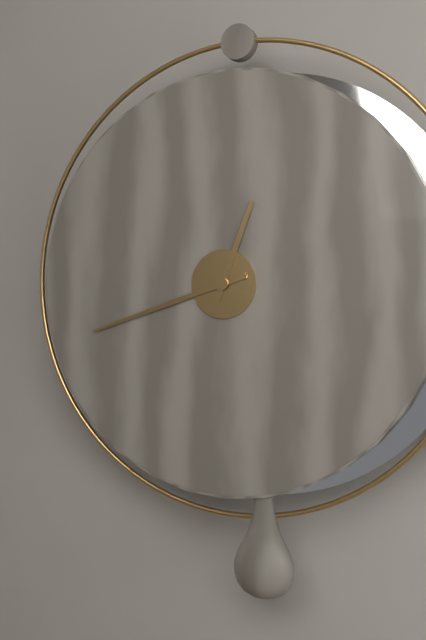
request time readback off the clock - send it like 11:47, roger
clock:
12:42
